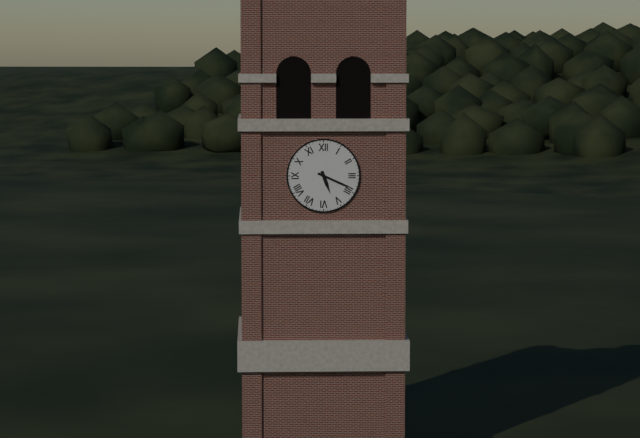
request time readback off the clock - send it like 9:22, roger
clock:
5:19
